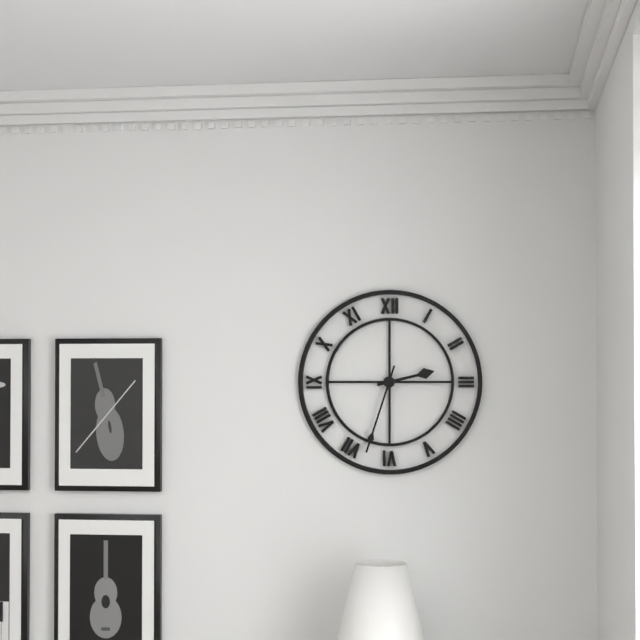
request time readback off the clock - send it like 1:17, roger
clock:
2:33
